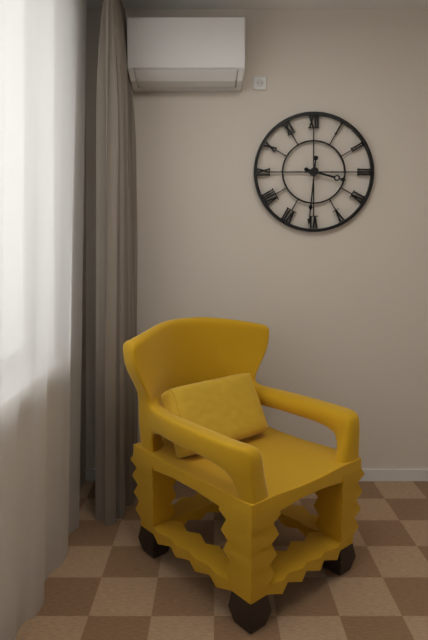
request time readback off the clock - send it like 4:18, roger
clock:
3:31
